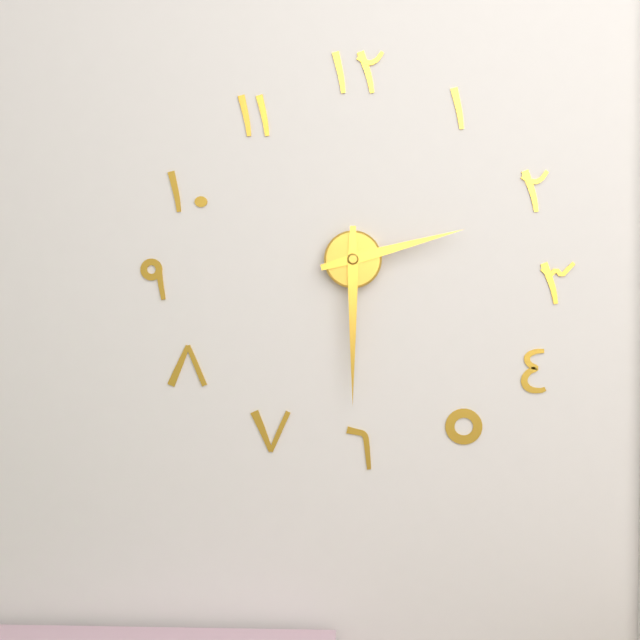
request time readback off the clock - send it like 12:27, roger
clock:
2:30
